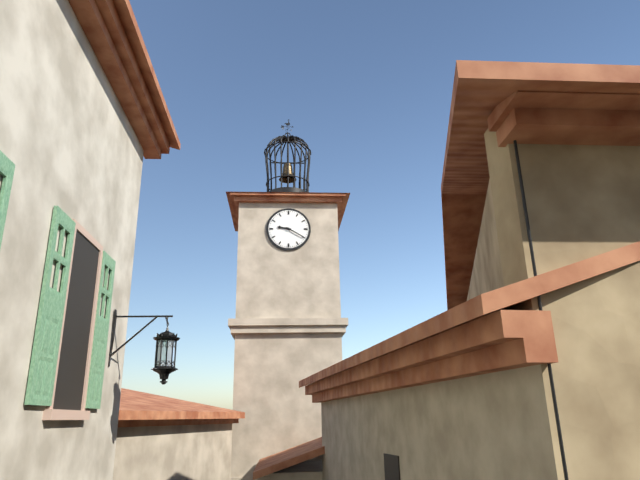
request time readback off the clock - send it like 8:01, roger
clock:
9:20
